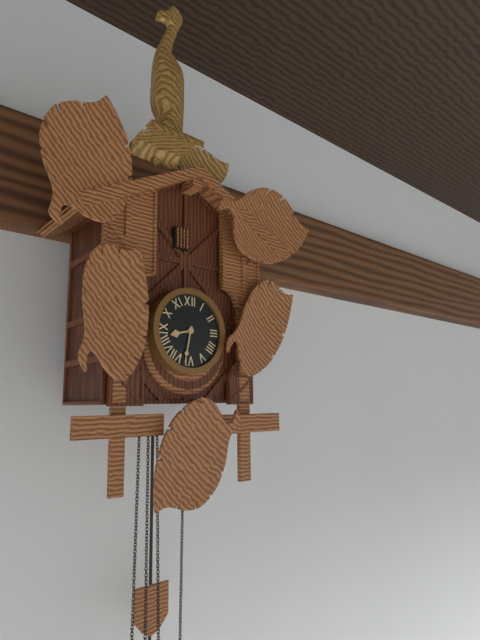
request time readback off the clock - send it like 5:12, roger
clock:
8:32
